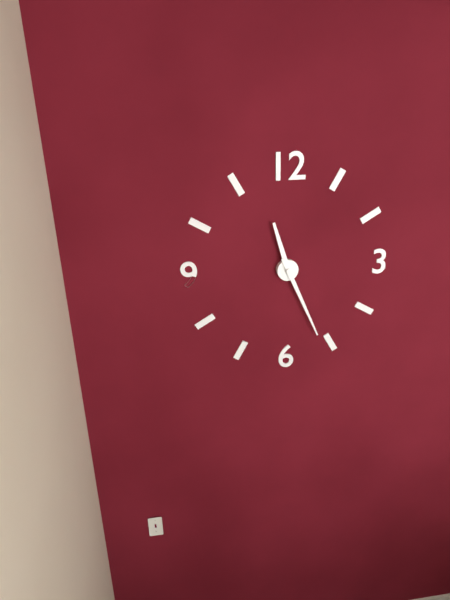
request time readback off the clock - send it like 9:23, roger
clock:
11:26
